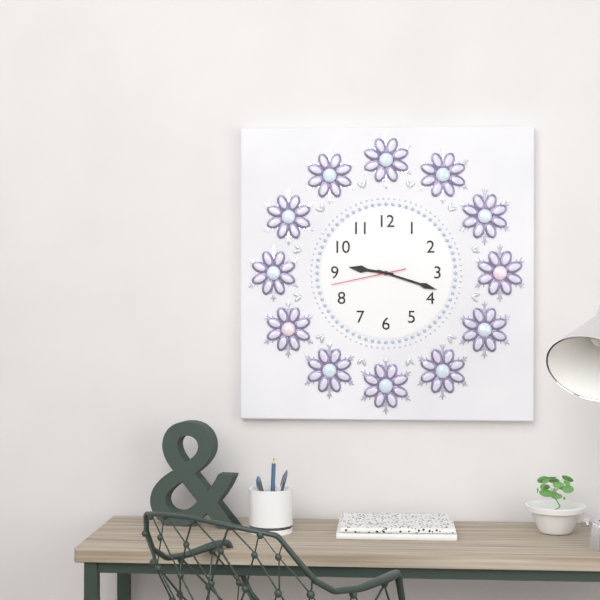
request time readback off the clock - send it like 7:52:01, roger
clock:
9:18:43
